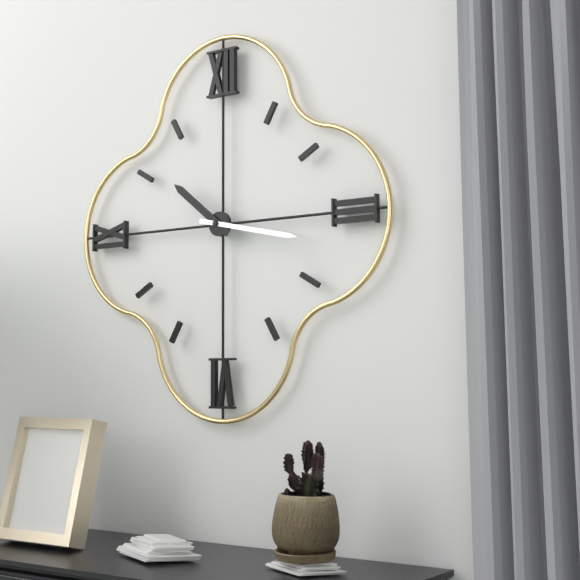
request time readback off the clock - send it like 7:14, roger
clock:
10:17
